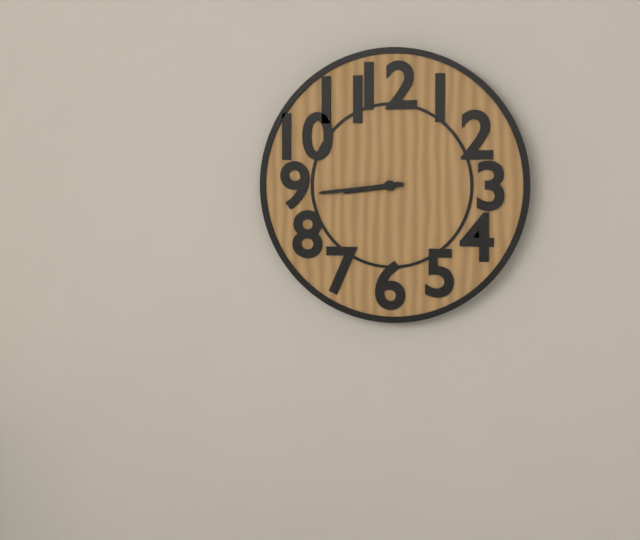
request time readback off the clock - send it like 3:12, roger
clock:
8:44
